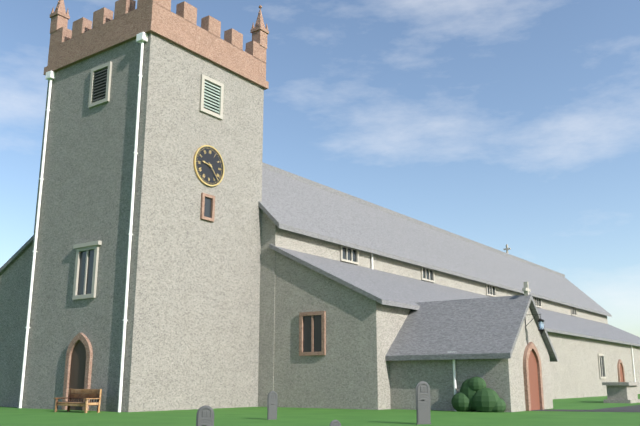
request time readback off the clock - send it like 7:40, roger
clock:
9:23
